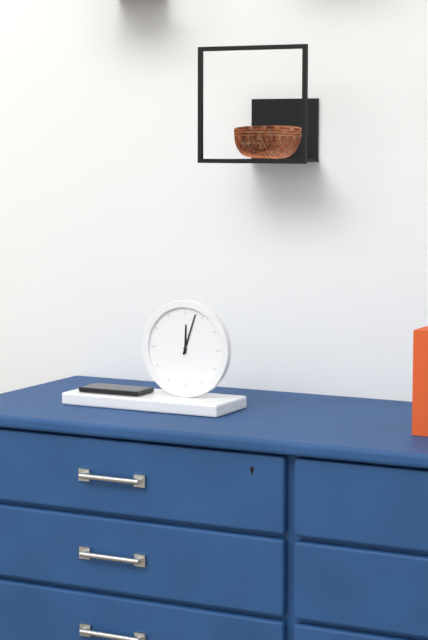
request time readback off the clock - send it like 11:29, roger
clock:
12:03
